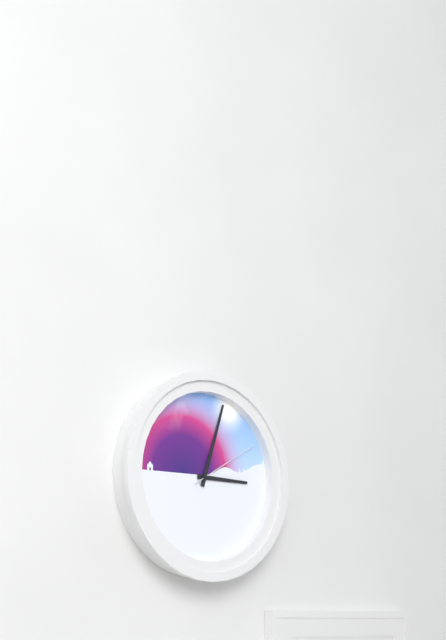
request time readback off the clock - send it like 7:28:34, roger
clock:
3:03:10
